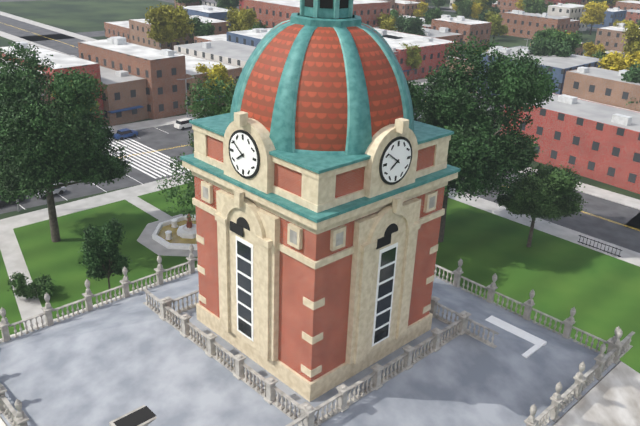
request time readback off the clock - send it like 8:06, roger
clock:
7:51
